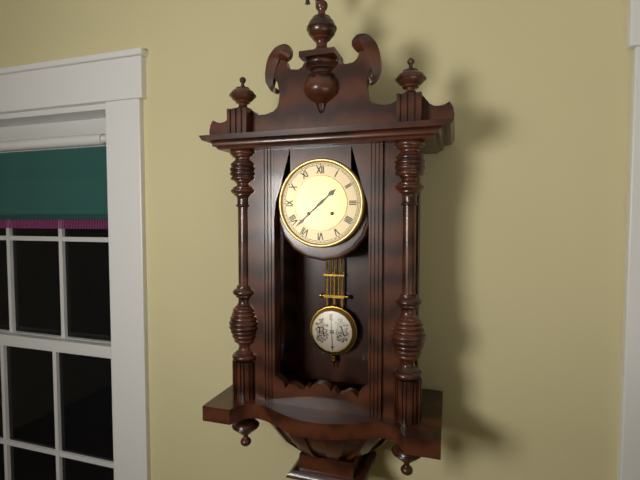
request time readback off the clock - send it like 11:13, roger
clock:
1:38
